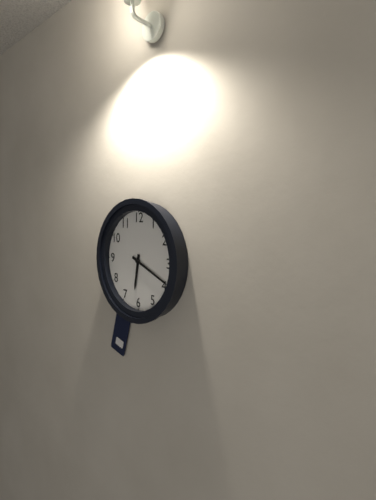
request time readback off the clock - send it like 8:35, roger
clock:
6:19
